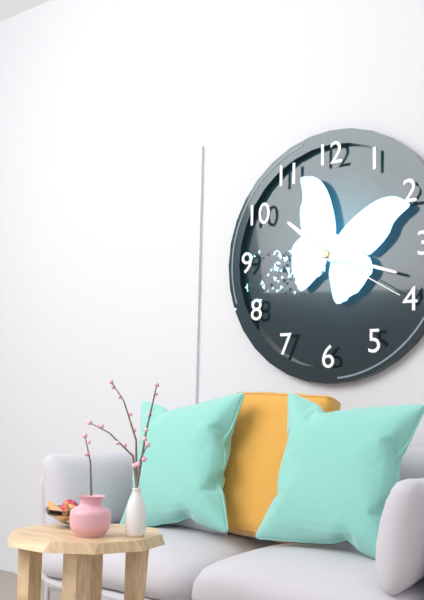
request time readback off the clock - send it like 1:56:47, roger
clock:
10:18:20
